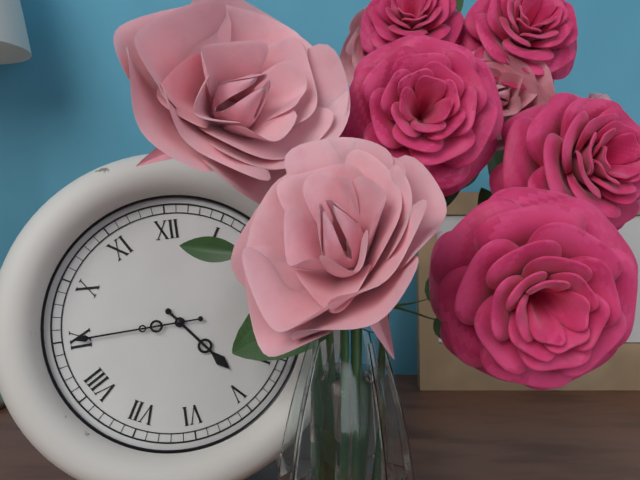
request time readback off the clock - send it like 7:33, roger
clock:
4:45
